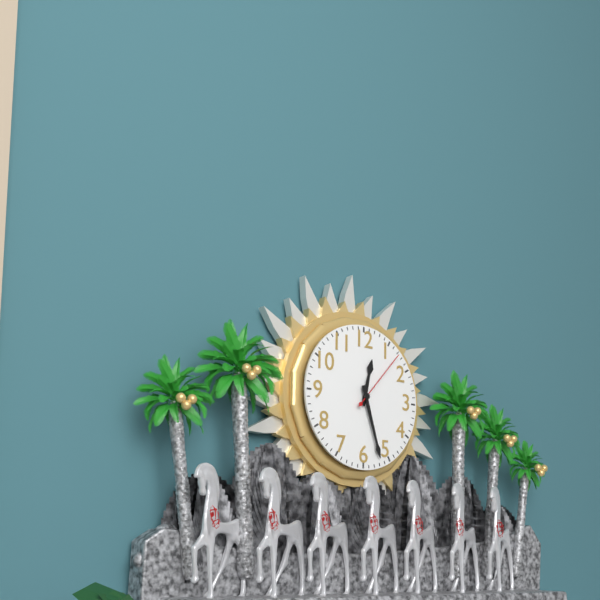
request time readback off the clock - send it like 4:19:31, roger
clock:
12:27:07
